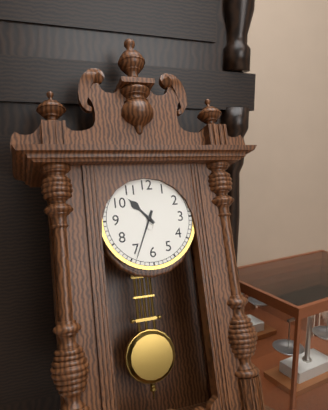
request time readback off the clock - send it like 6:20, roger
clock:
10:34
